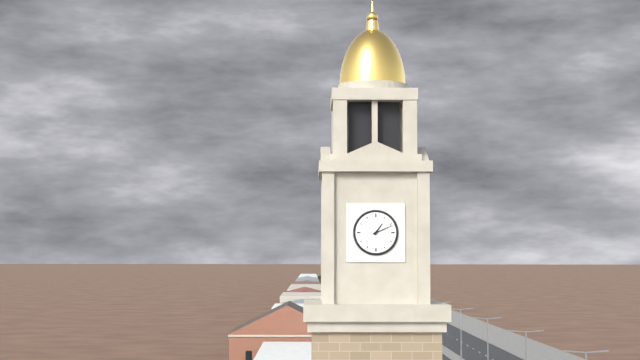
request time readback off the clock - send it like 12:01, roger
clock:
1:11
